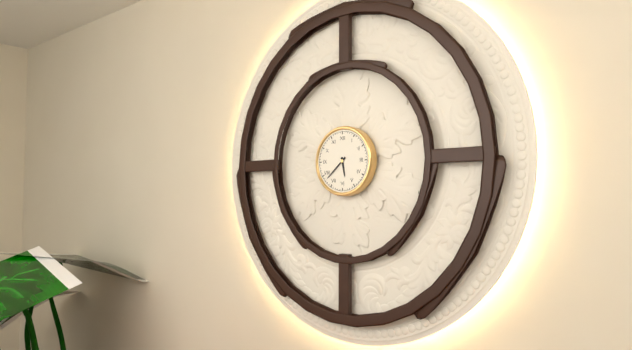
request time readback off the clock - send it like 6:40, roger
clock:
5:38
